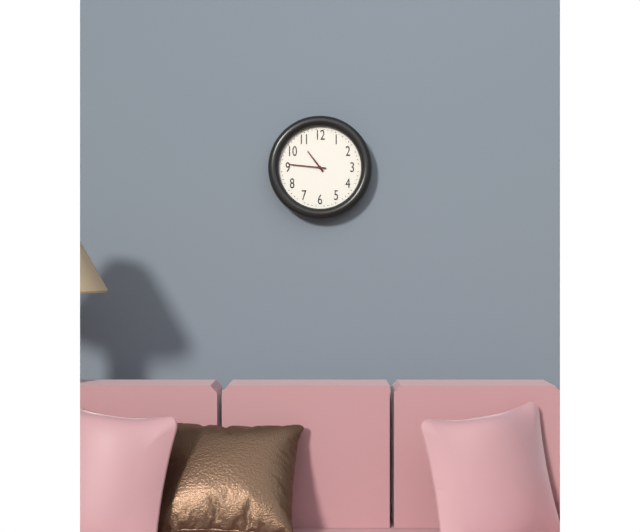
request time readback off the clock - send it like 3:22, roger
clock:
10:46
